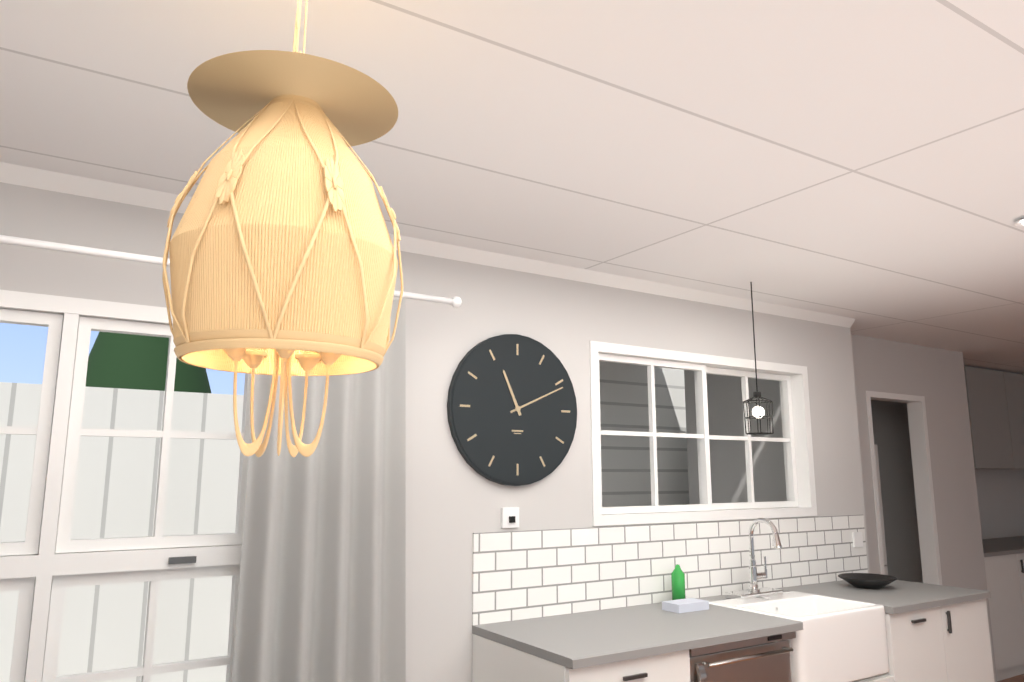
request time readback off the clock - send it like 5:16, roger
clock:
11:11
